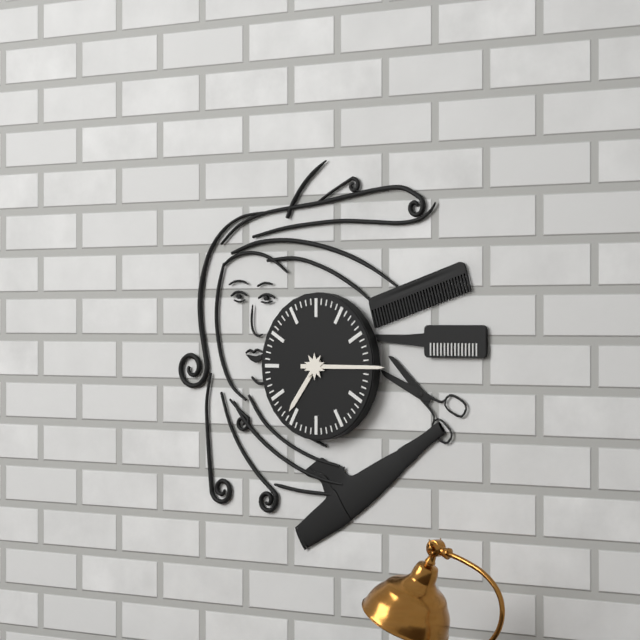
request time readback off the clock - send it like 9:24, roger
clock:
7:15
